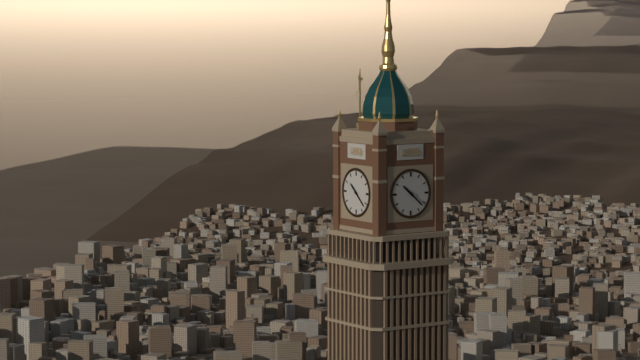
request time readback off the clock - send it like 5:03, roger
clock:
10:22
